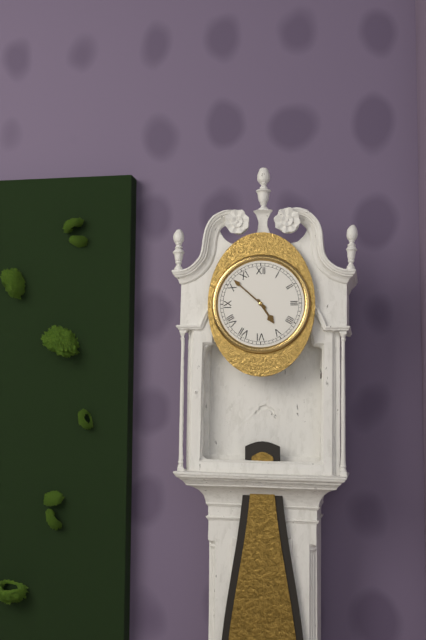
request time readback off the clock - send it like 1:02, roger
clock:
4:52
